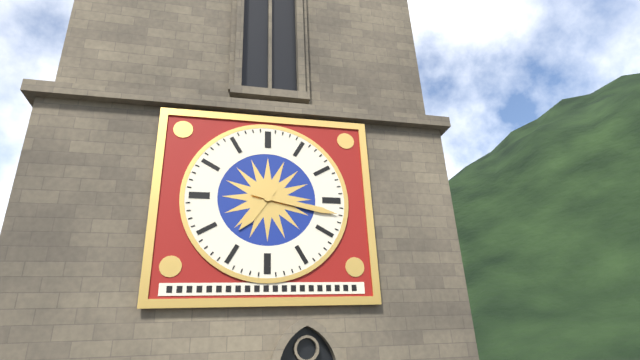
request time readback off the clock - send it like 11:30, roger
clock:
7:17
